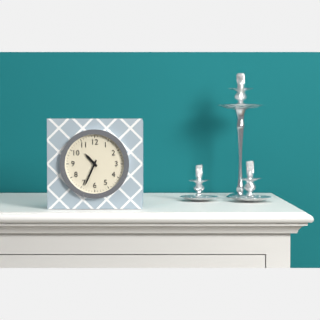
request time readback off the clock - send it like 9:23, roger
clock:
10:34
